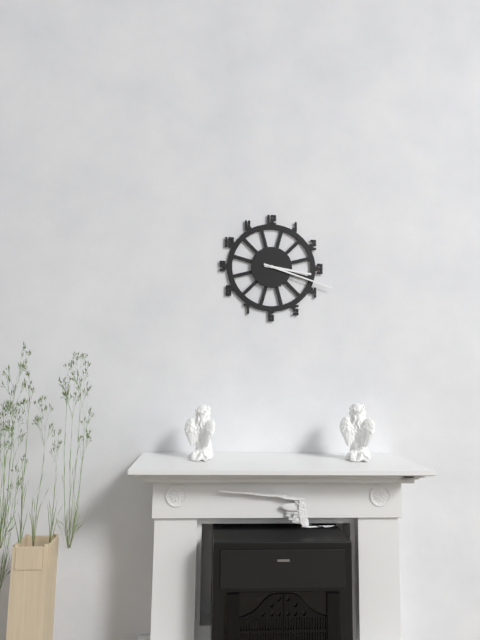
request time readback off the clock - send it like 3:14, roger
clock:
3:18
